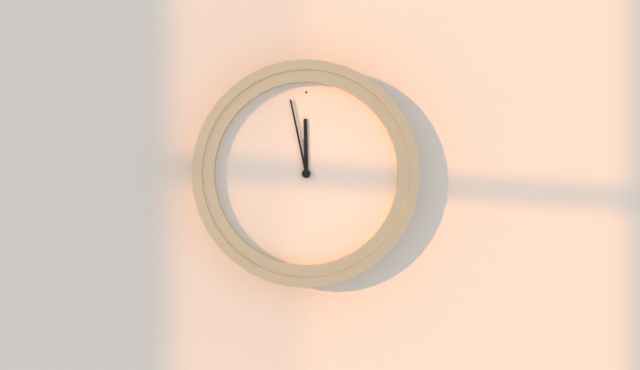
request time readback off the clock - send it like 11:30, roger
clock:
11:58
